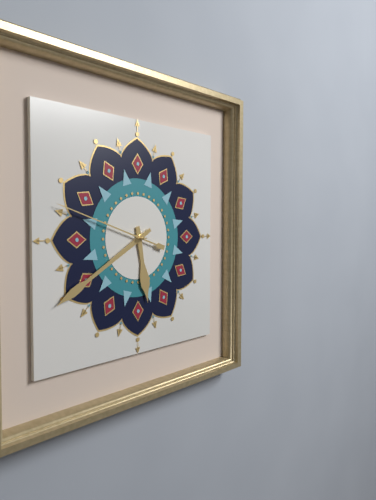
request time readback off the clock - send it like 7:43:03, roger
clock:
5:40:48
